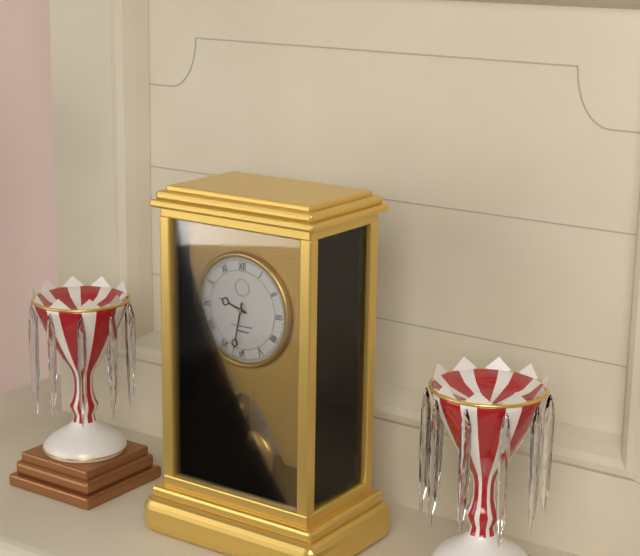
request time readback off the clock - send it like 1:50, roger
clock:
9:32
